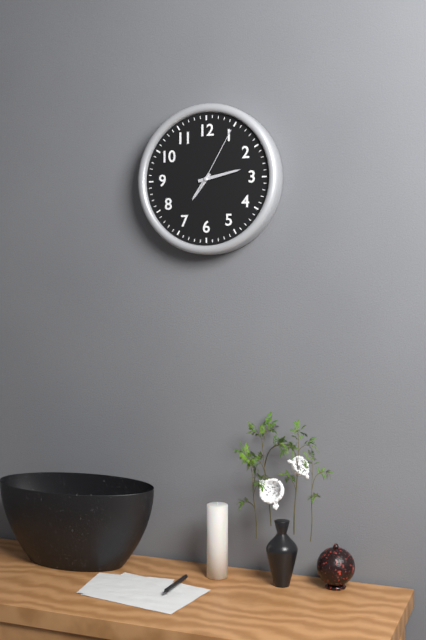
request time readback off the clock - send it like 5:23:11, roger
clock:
7:13:05
